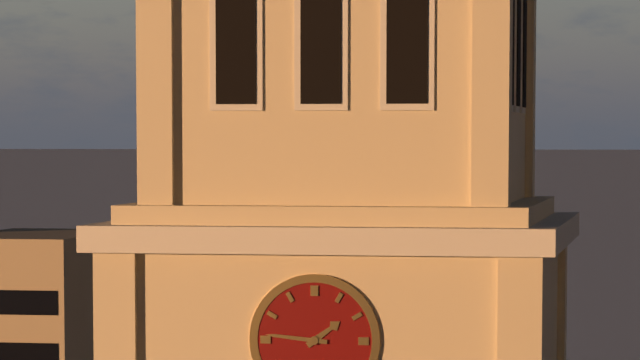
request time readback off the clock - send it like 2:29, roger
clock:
1:46
